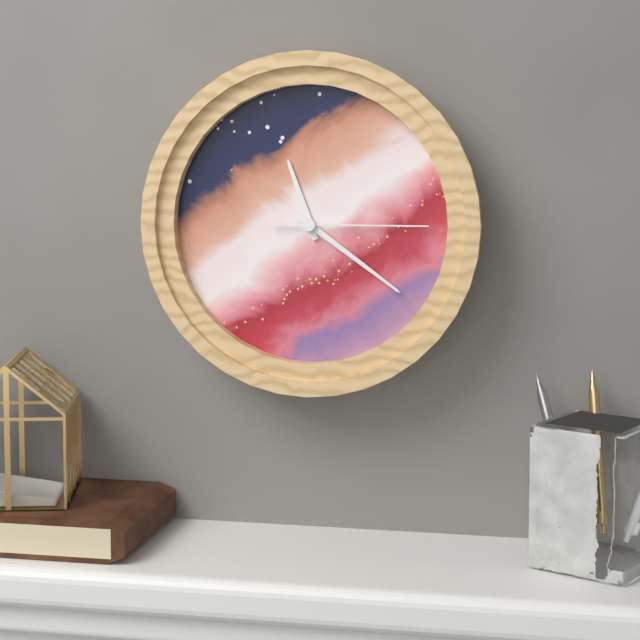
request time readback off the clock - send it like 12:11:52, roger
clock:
11:21:15
